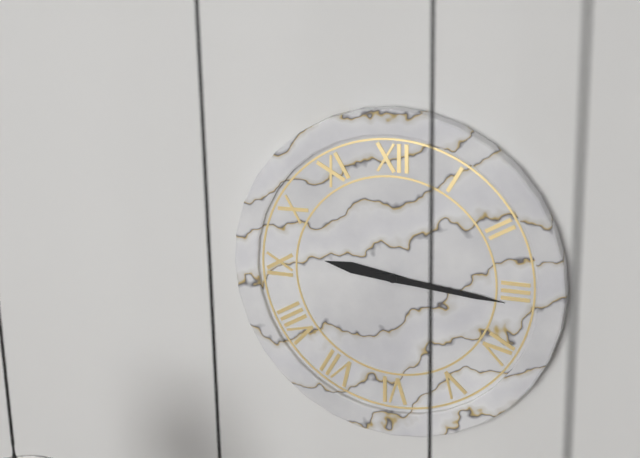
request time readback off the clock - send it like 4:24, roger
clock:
9:16
